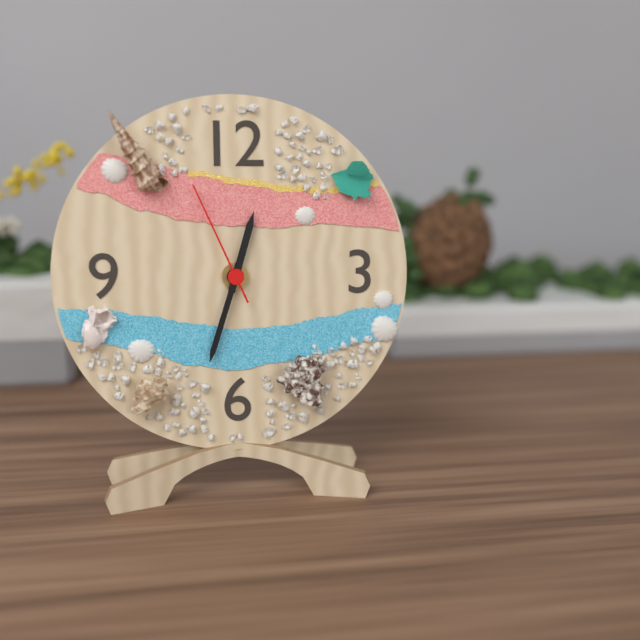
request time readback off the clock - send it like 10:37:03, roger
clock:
12:33:56
